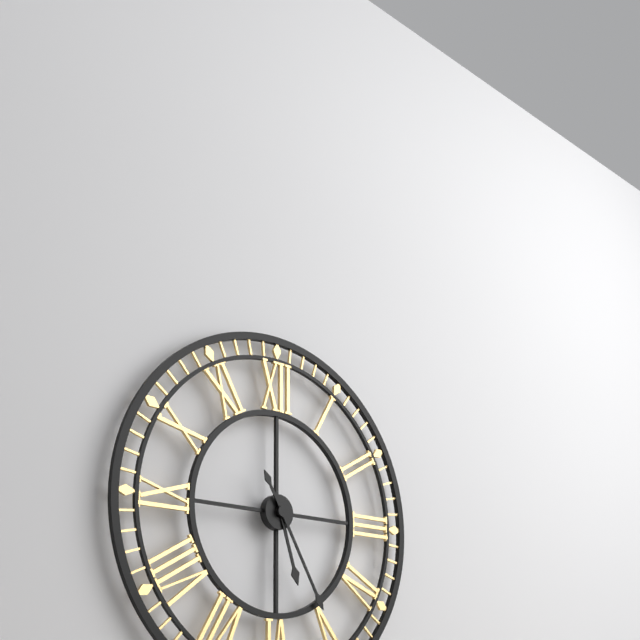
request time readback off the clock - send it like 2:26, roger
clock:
5:25
